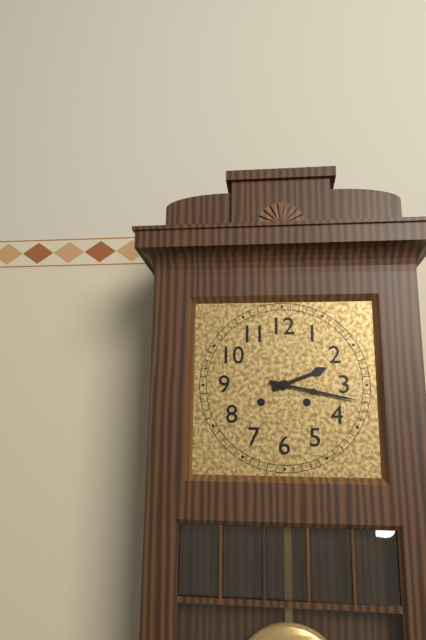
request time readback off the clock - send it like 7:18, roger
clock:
2:17
